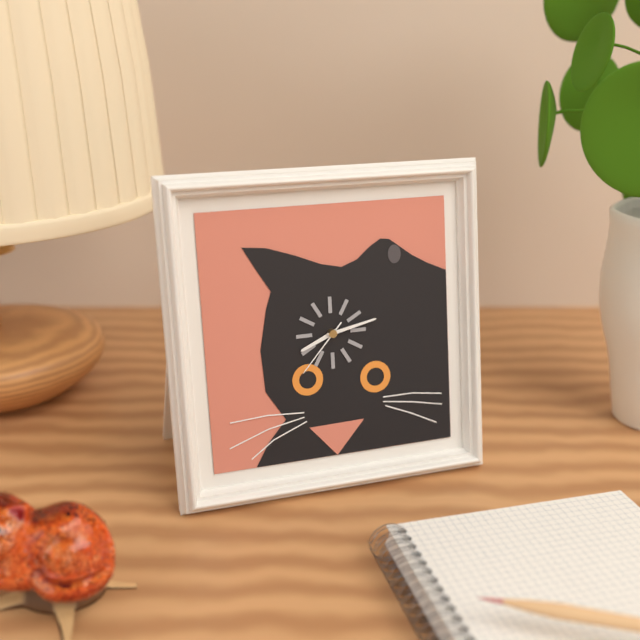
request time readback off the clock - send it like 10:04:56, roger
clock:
8:13:37
